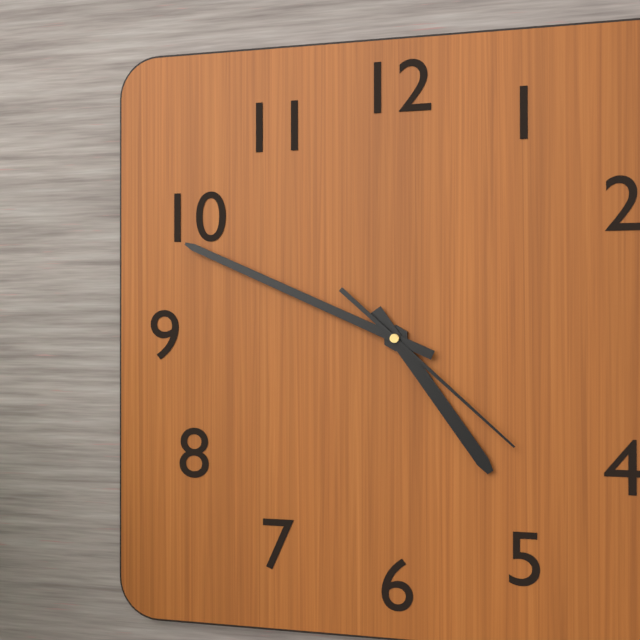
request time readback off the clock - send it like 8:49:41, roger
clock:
4:49:22
